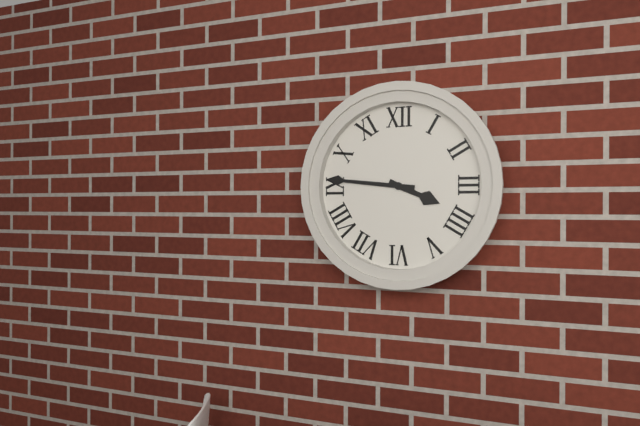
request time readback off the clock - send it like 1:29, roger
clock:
3:46
